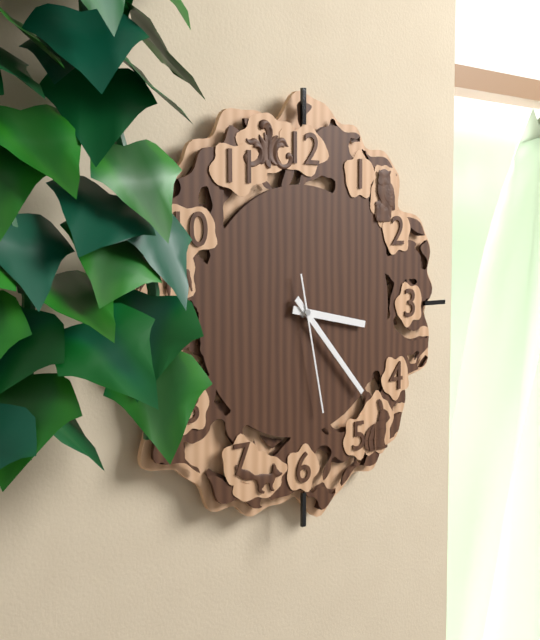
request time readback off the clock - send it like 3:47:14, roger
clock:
3:23:28
